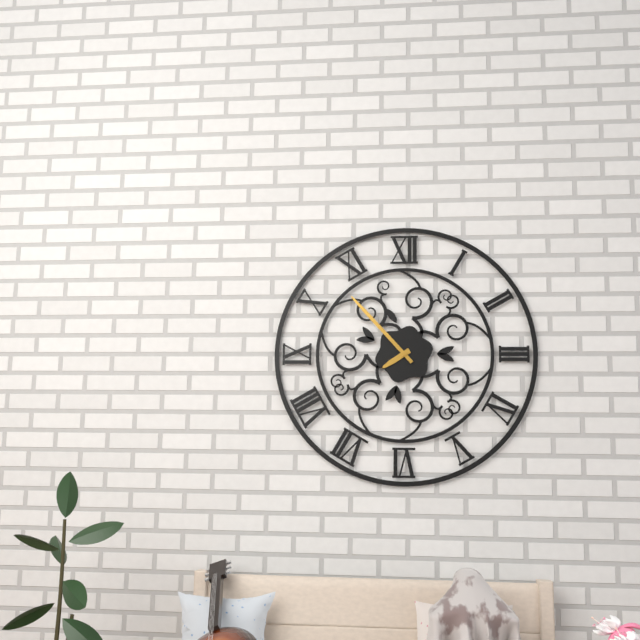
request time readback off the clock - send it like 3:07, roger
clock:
7:53
